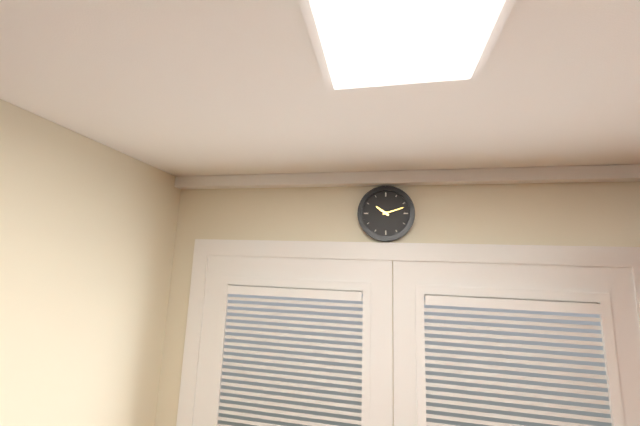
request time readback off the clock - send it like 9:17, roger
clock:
10:12
